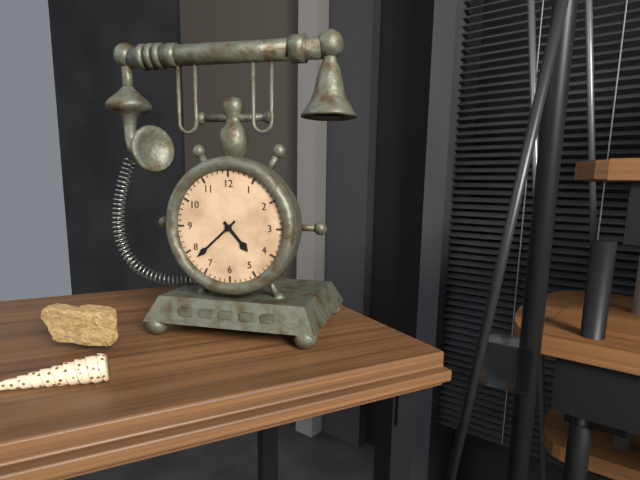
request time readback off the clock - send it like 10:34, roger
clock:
4:38
